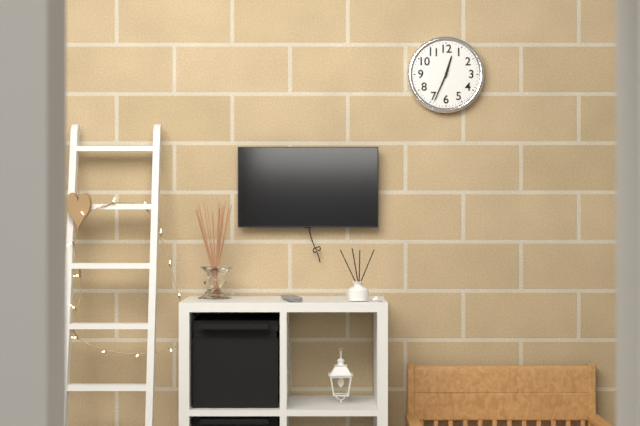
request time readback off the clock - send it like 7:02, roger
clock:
12:34
